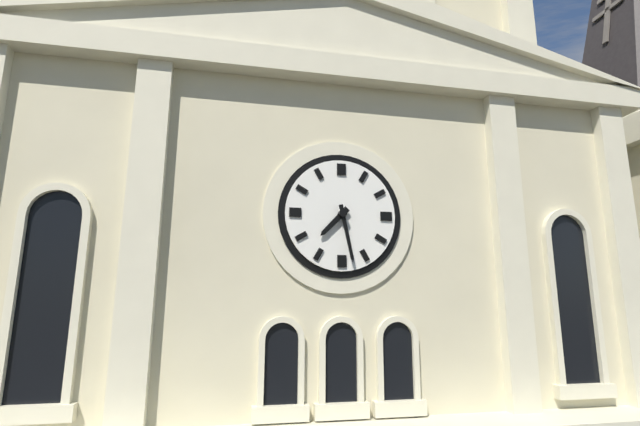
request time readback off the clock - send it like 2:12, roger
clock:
7:28
